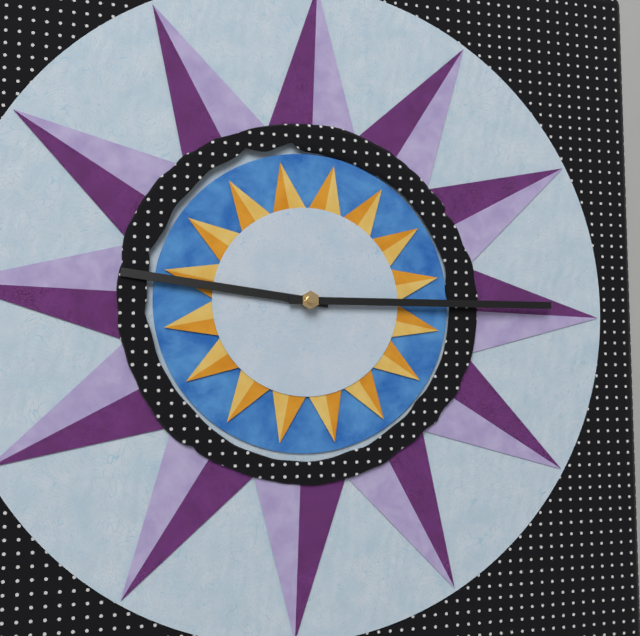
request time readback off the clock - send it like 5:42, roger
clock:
9:15
